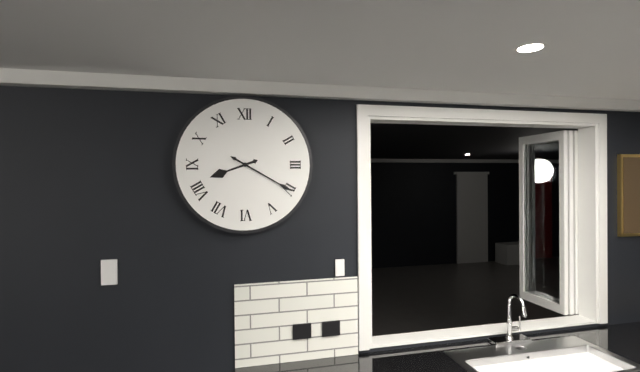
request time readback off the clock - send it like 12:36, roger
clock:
8:20
